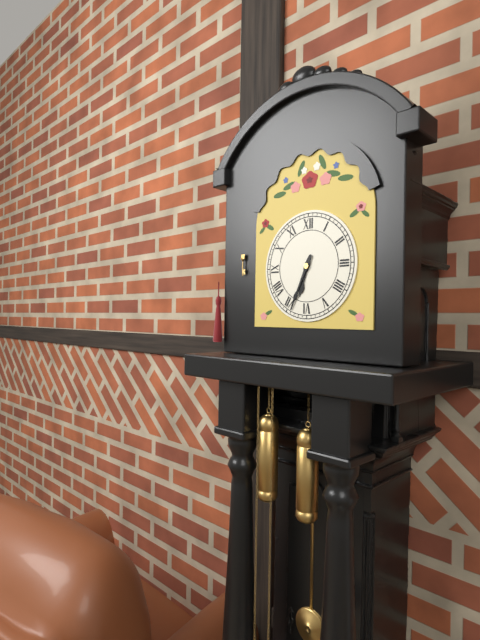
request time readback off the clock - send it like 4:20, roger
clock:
6:34
